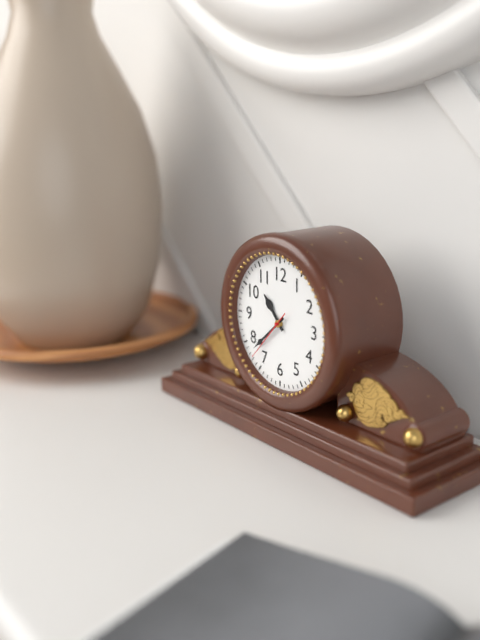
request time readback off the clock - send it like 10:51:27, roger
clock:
10:38:37
